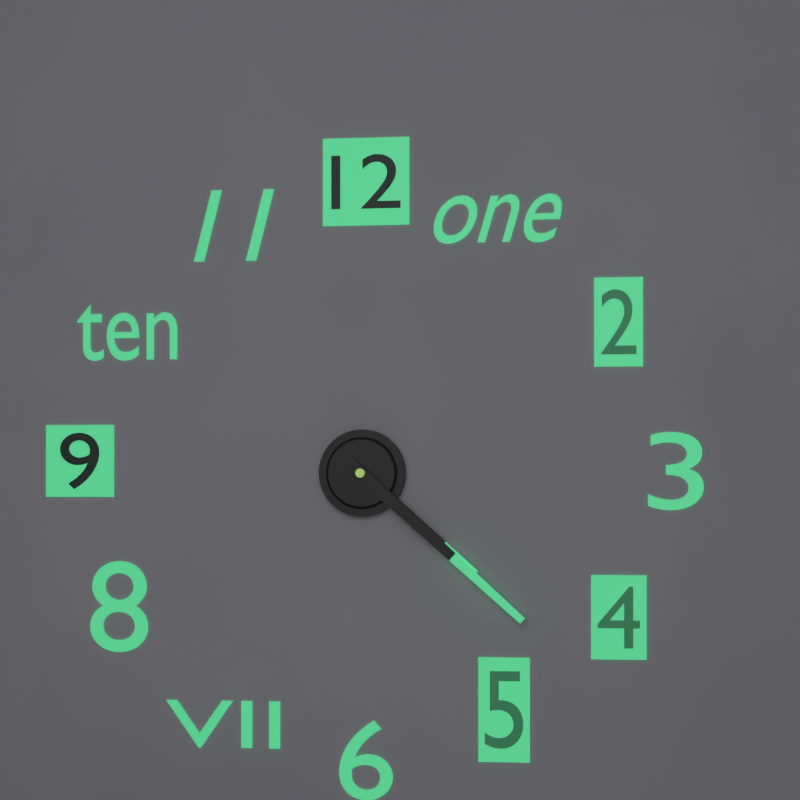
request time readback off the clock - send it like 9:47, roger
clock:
4:22
